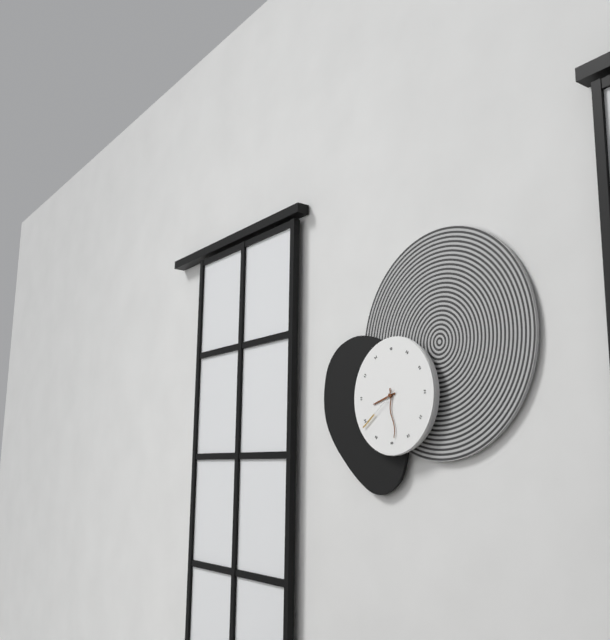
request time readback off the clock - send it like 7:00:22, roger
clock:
8:29:39
